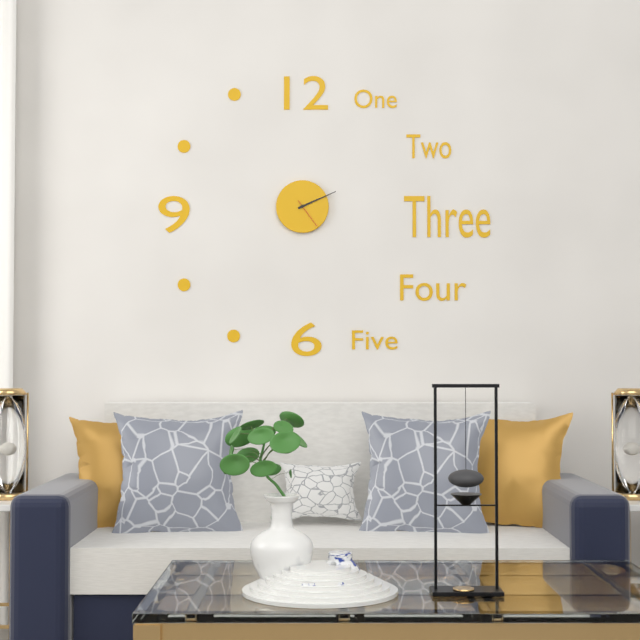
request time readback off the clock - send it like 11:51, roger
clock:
2:11
